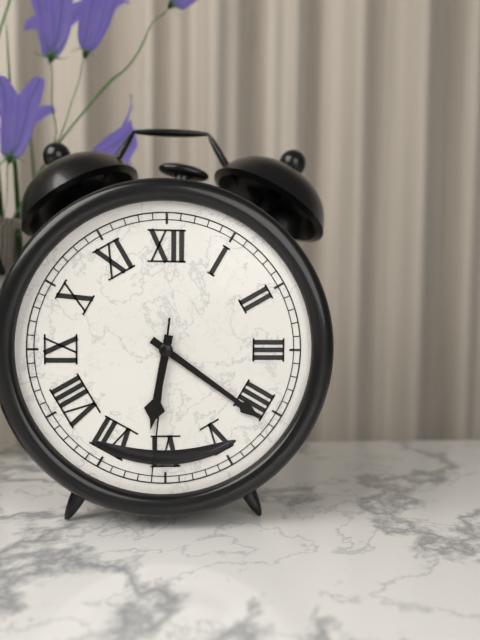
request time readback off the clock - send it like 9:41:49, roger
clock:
6:21:31
